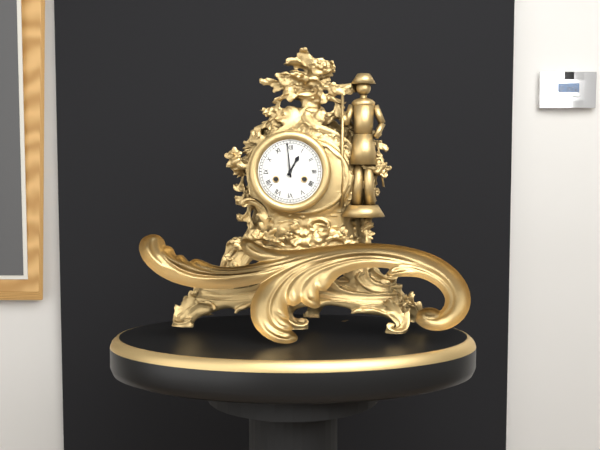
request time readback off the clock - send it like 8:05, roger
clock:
12:59
